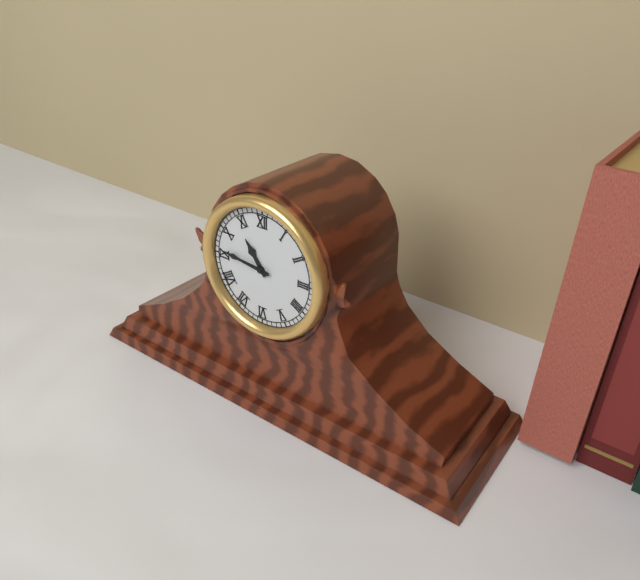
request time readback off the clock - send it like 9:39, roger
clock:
10:46
